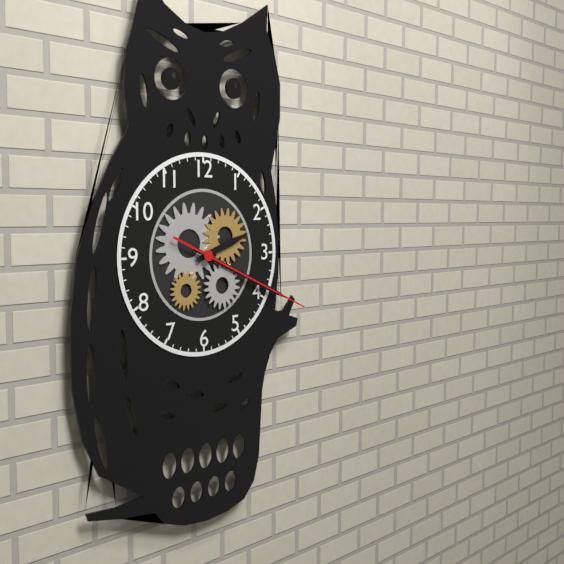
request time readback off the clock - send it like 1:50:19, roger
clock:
2:19:19
